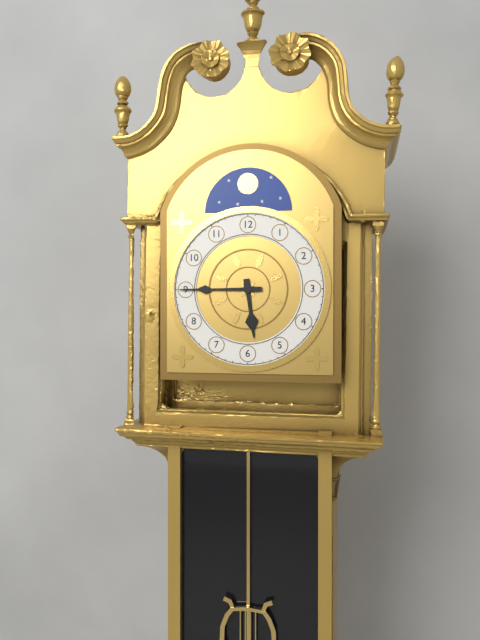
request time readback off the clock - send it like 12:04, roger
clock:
5:45
